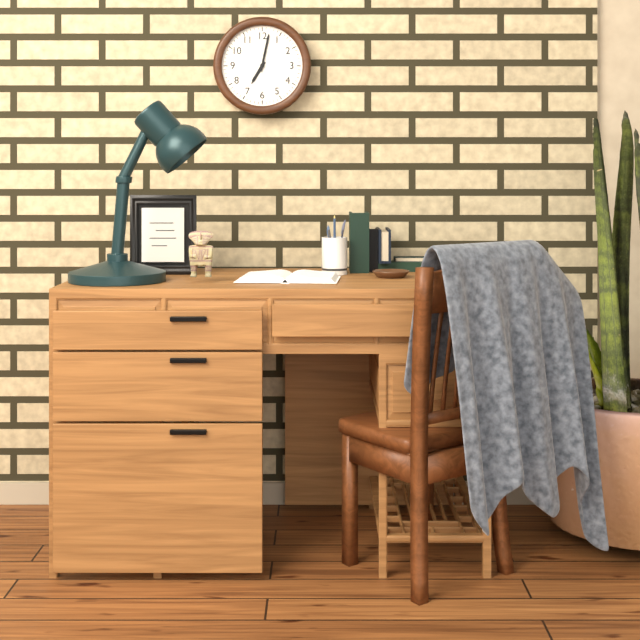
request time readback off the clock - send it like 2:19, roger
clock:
7:02
